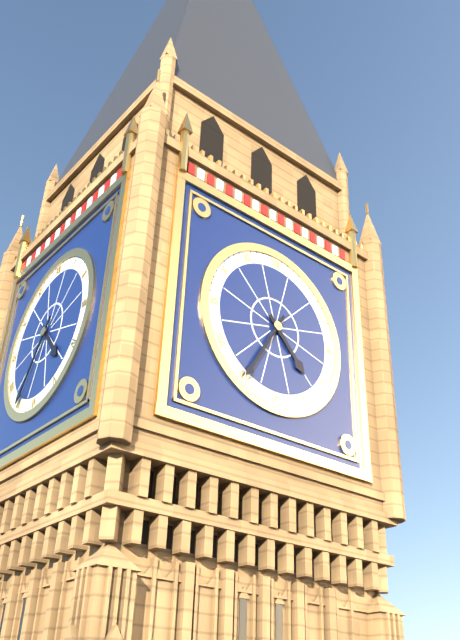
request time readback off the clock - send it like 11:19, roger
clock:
4:35
